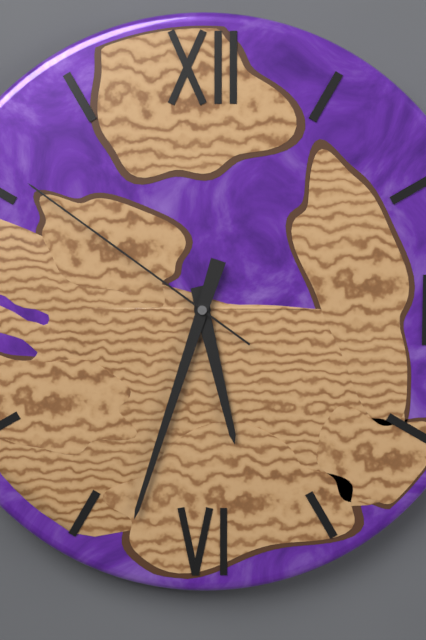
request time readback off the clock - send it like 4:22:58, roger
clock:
5:33:51
